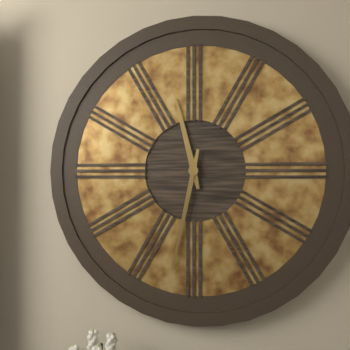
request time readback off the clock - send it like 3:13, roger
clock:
11:32
